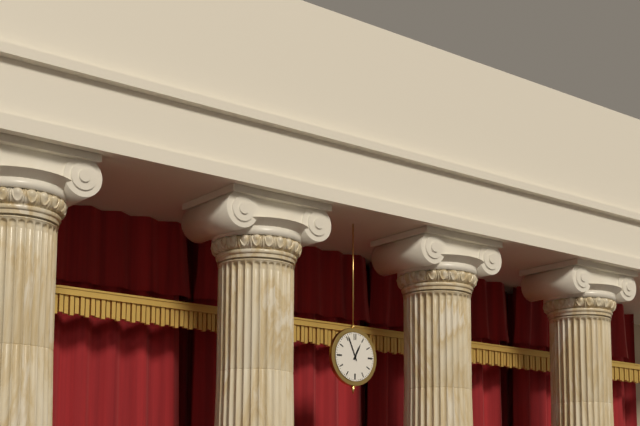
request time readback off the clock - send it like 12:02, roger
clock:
12:56
